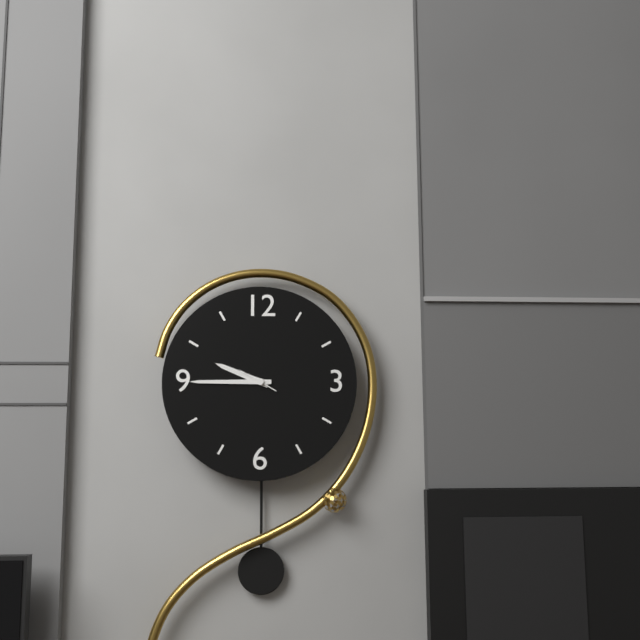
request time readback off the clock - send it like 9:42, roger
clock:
9:45
